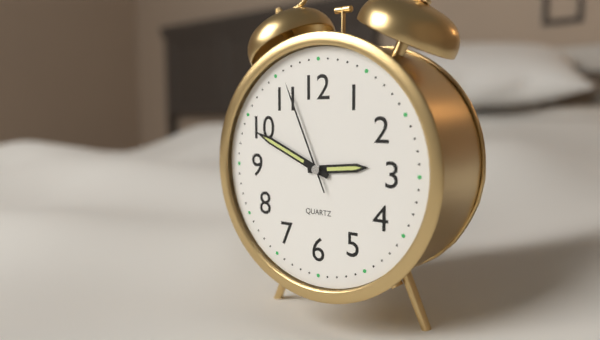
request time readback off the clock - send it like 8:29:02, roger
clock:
2:49:56
